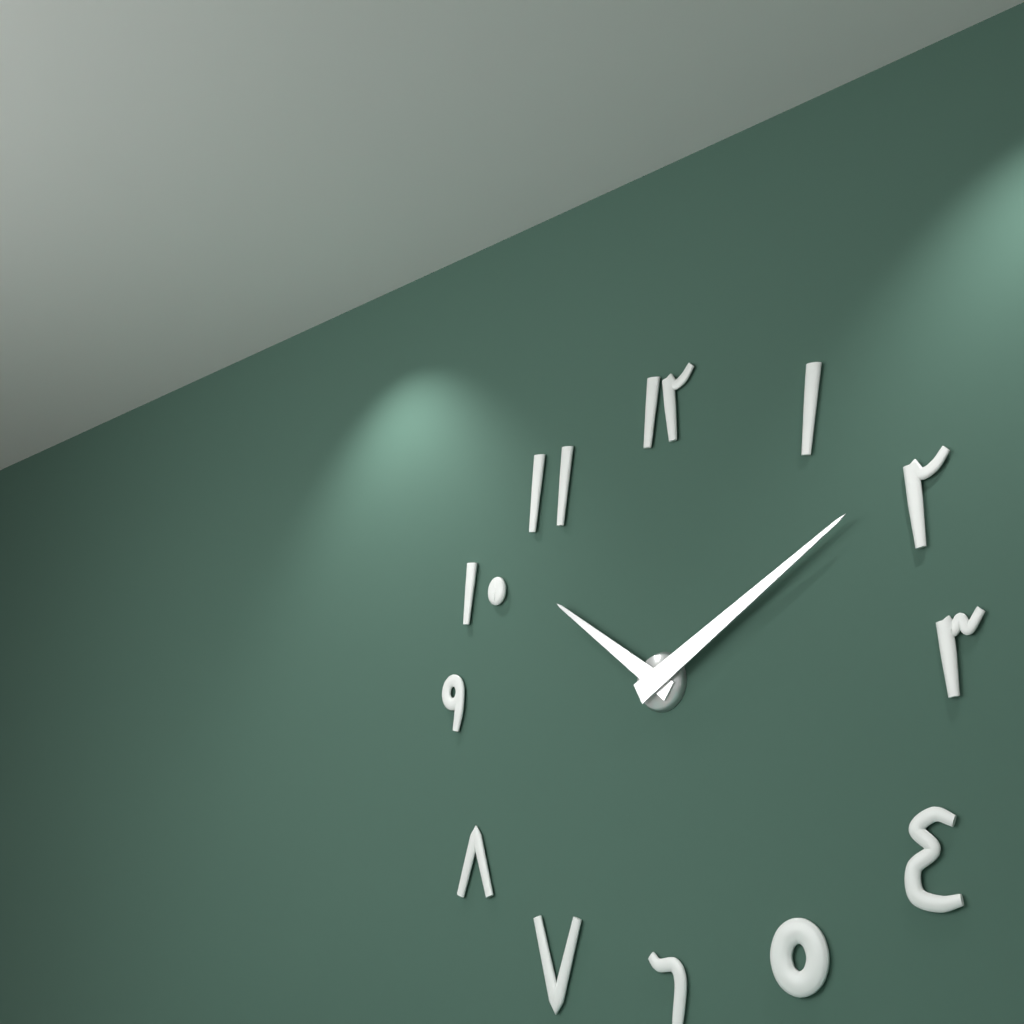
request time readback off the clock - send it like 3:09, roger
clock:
10:10
